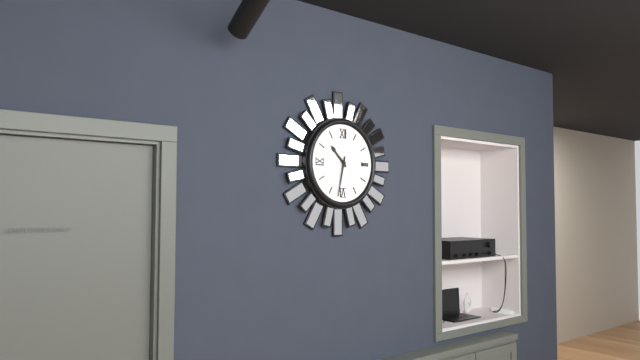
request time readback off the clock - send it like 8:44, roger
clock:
10:32
